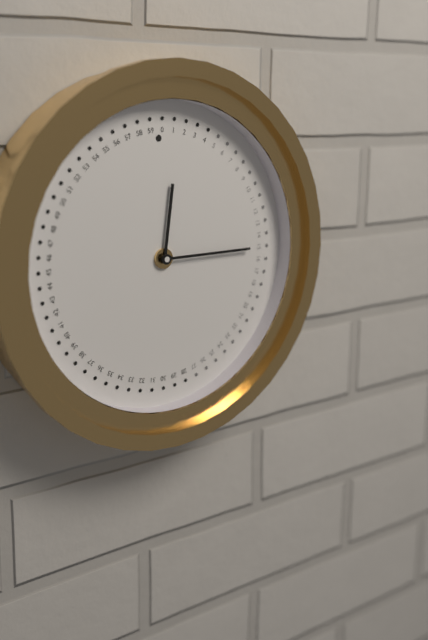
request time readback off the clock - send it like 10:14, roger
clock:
12:15
